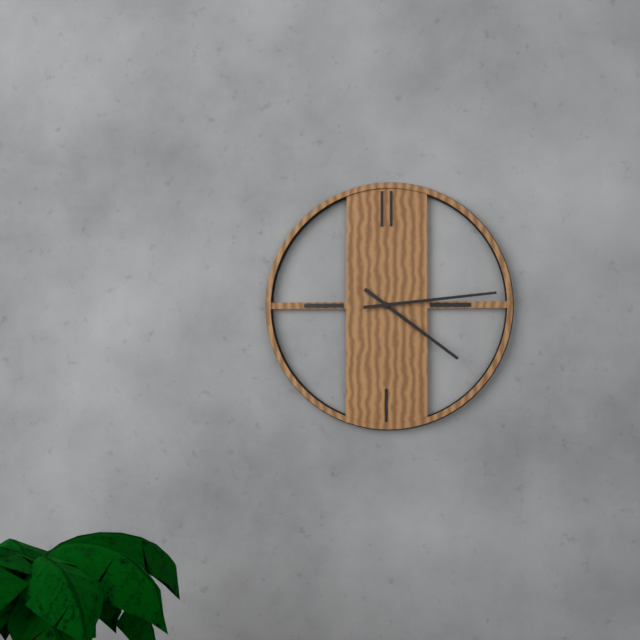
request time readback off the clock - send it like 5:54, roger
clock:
4:14
